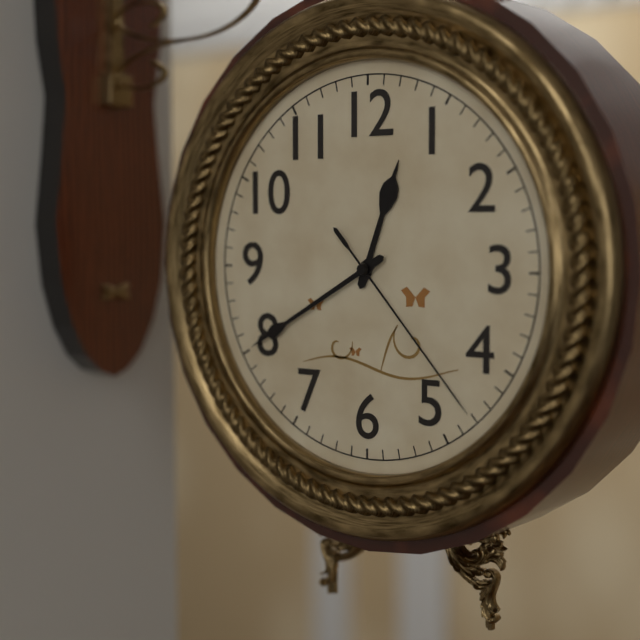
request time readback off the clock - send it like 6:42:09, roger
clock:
12:40:23
